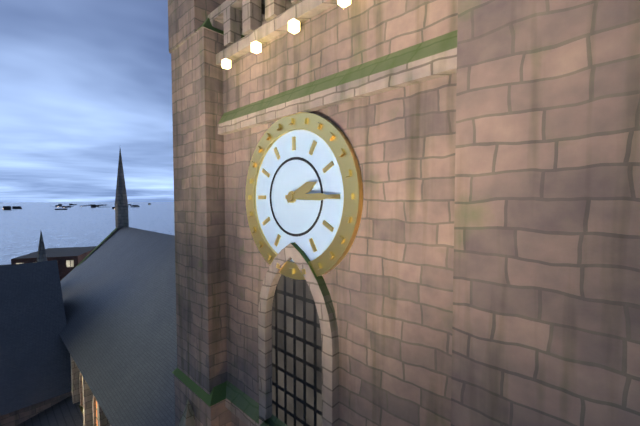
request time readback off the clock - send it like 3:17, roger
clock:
2:15
